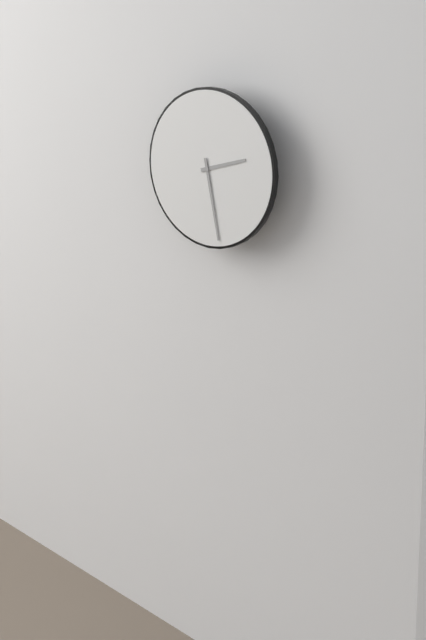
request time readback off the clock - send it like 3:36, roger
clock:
2:28
